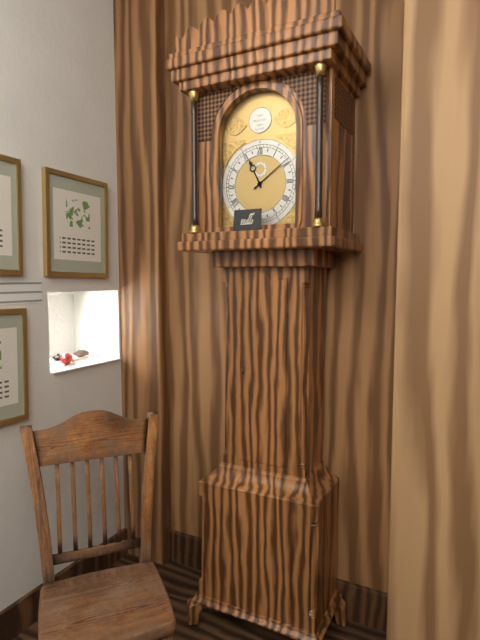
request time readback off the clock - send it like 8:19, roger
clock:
11:09
